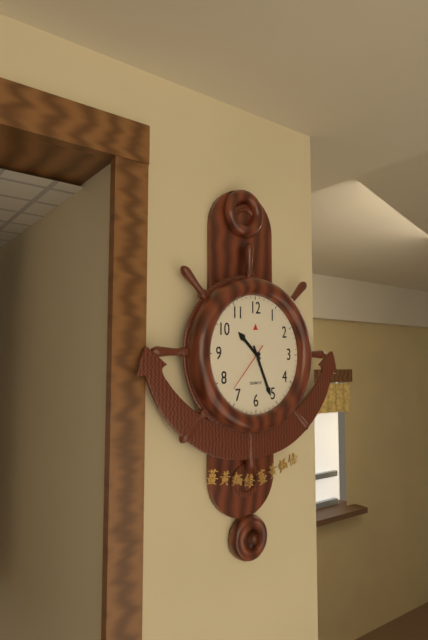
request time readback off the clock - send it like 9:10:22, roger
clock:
10:26:37
